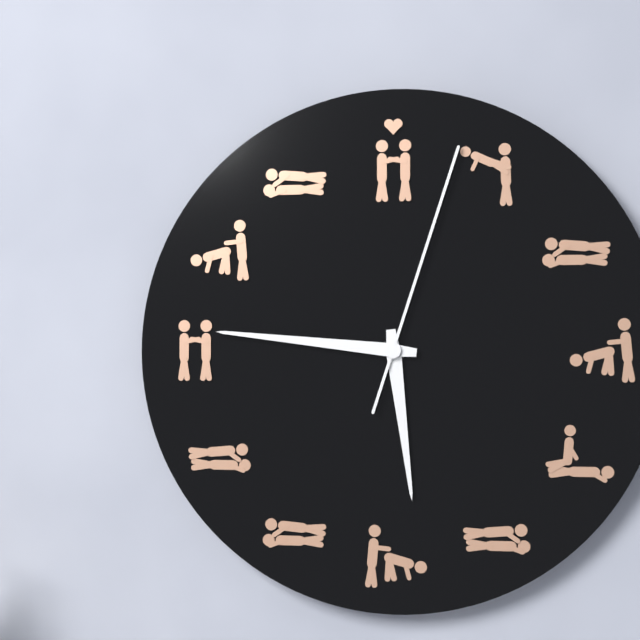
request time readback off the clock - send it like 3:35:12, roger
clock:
5:46:03
